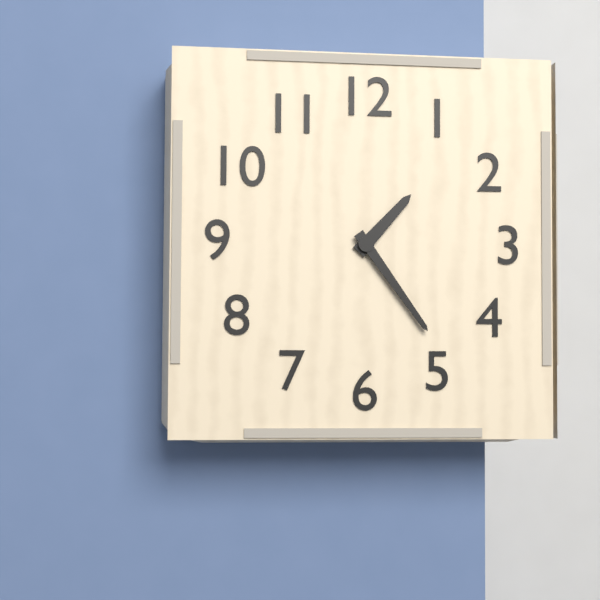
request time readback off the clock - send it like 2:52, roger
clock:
1:24
